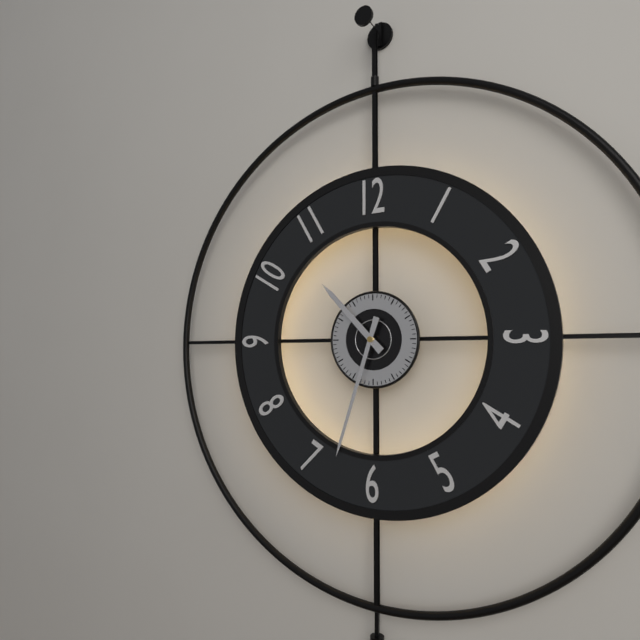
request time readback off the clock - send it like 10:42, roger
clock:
10:33
